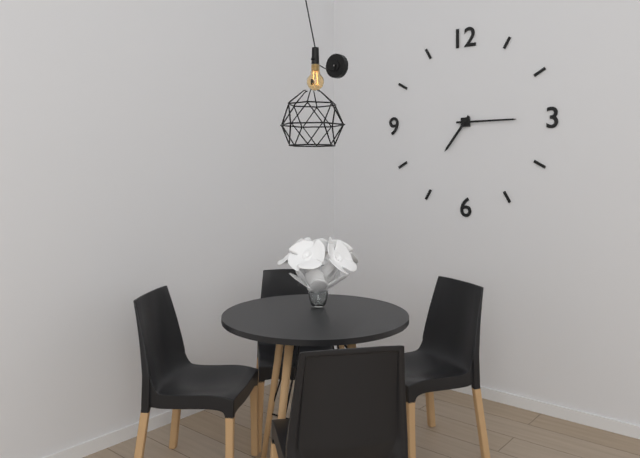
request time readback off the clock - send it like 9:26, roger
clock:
7:15
